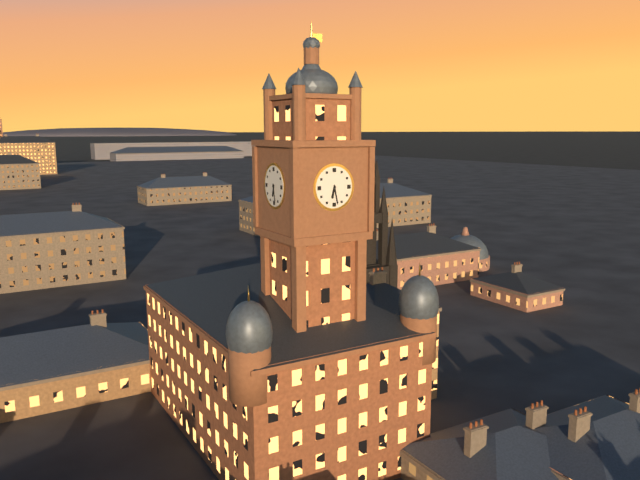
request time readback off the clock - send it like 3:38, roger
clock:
6:28
